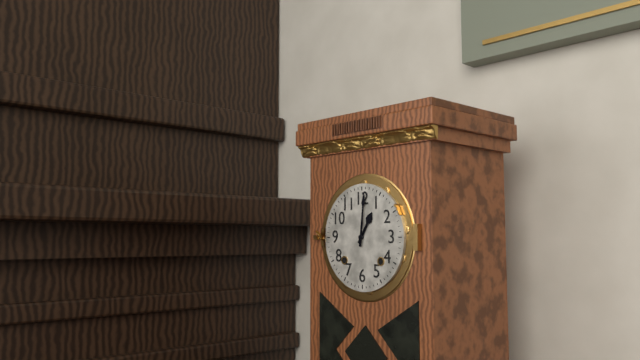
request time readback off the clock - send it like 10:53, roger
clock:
1:01
